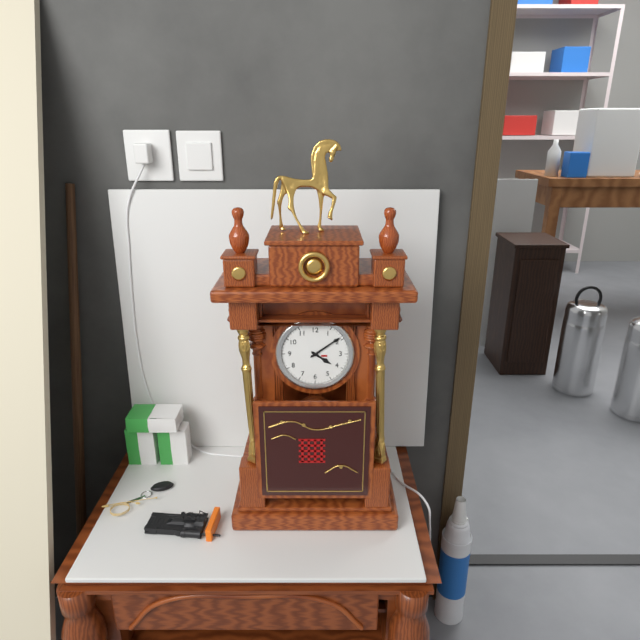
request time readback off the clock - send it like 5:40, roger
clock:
4:09
